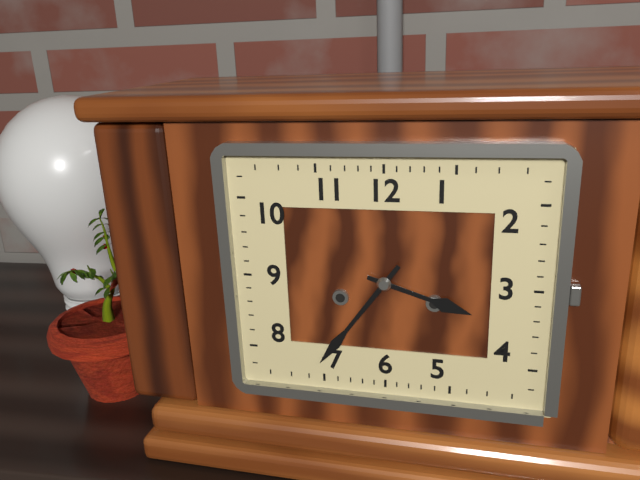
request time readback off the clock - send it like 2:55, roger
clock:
3:36
